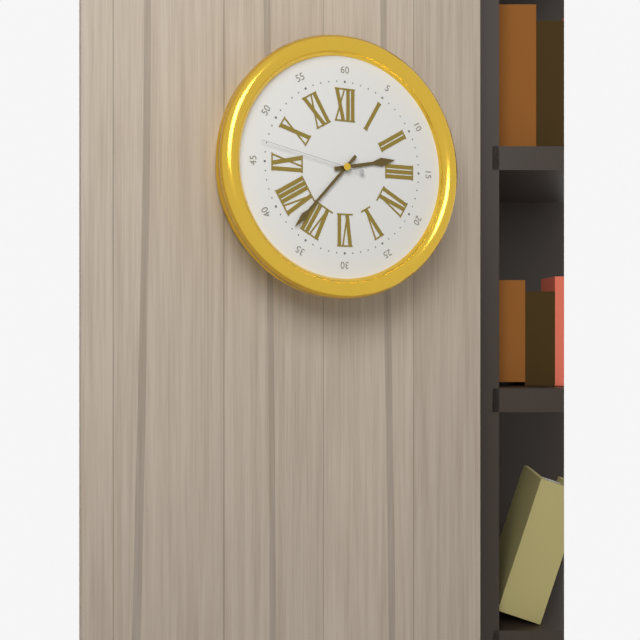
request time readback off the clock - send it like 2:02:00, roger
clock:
2:37:47
